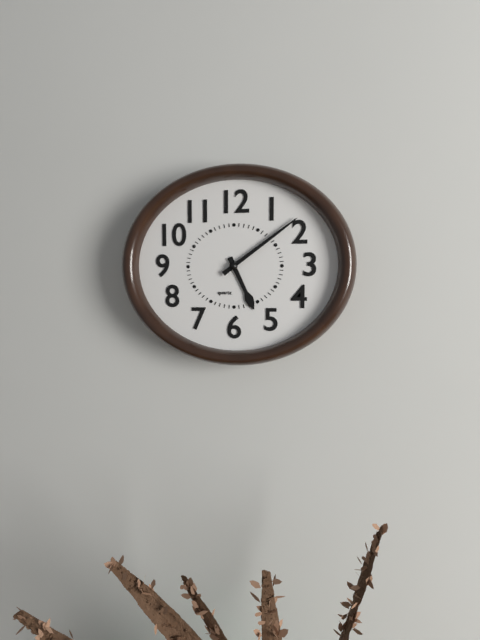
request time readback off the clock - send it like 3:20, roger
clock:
5:09
